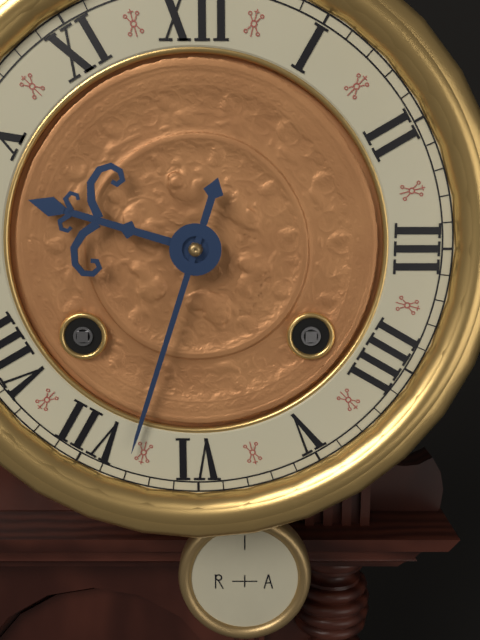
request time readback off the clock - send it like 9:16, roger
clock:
9:33
